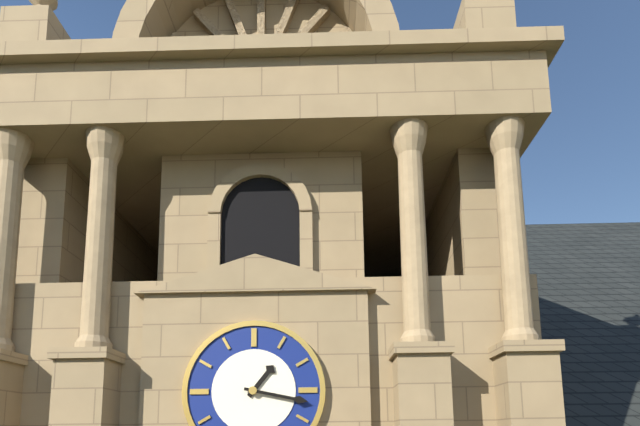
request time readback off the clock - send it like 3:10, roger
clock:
1:17
